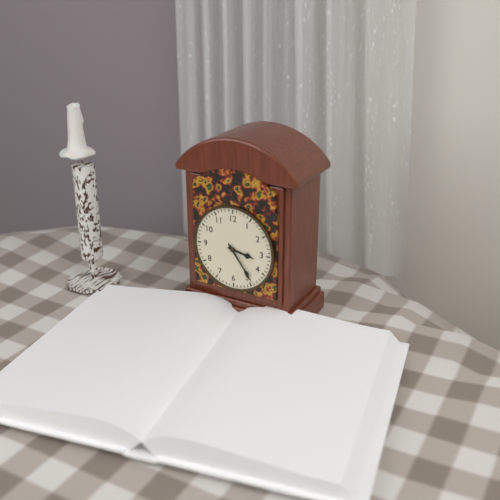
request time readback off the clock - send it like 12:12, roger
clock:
3:24
